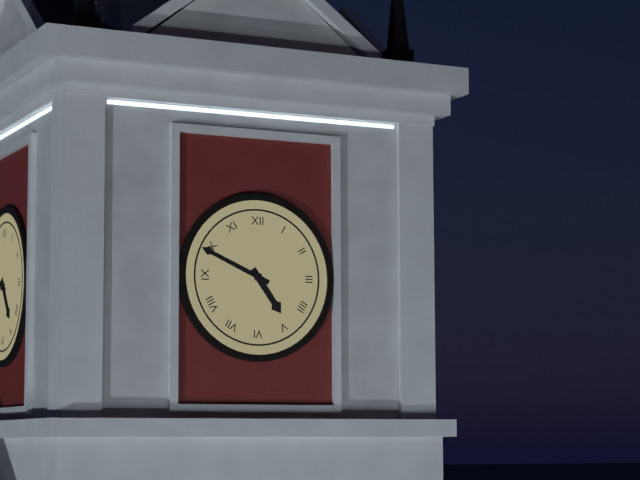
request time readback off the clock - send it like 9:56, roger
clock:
4:49
